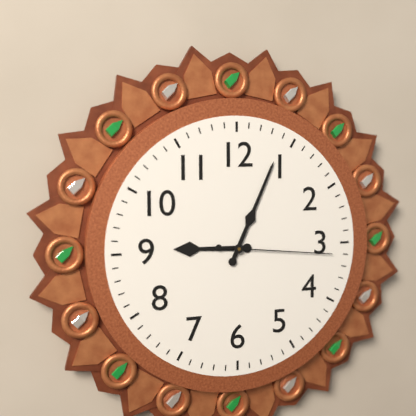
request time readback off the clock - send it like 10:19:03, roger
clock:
9:04:16
